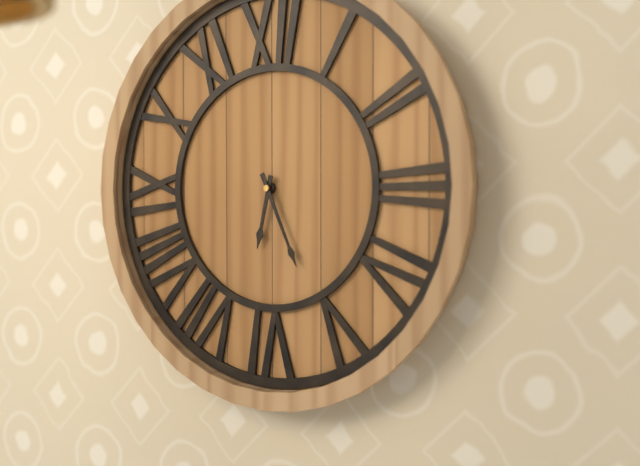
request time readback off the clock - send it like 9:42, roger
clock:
6:26
